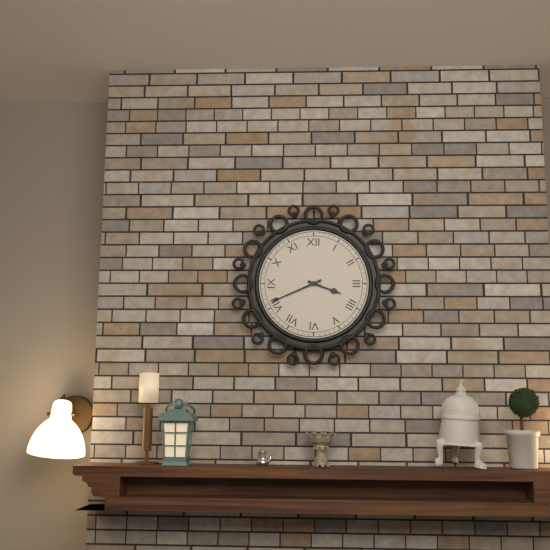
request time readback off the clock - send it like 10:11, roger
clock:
3:41
